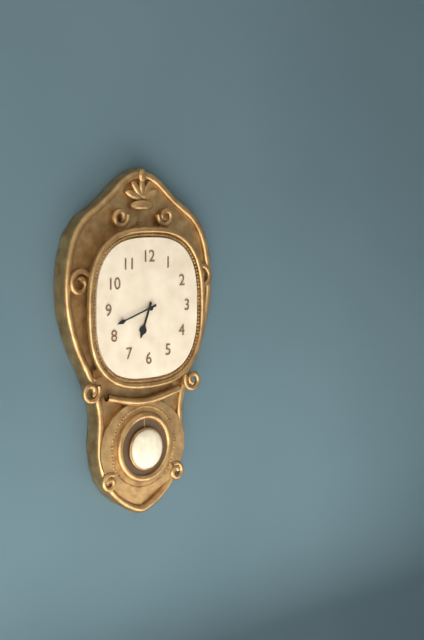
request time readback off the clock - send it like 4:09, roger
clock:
6:42
